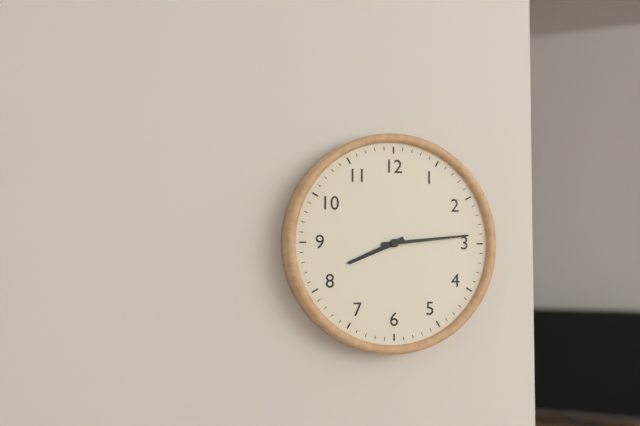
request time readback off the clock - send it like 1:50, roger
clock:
8:14
